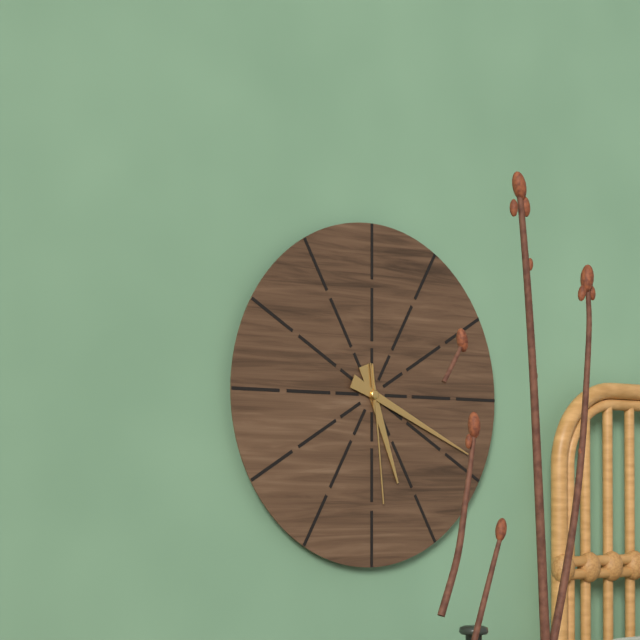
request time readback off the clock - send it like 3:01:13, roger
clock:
5:19:29
